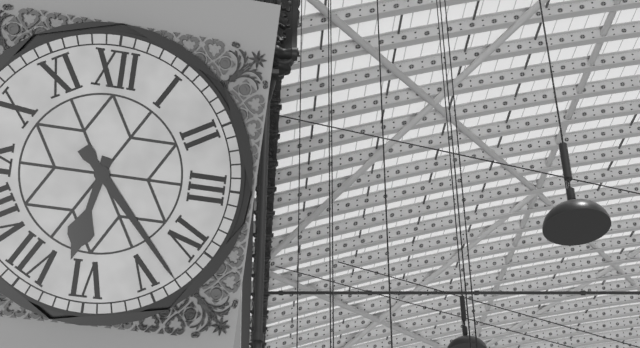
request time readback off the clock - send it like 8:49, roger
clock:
6:23
